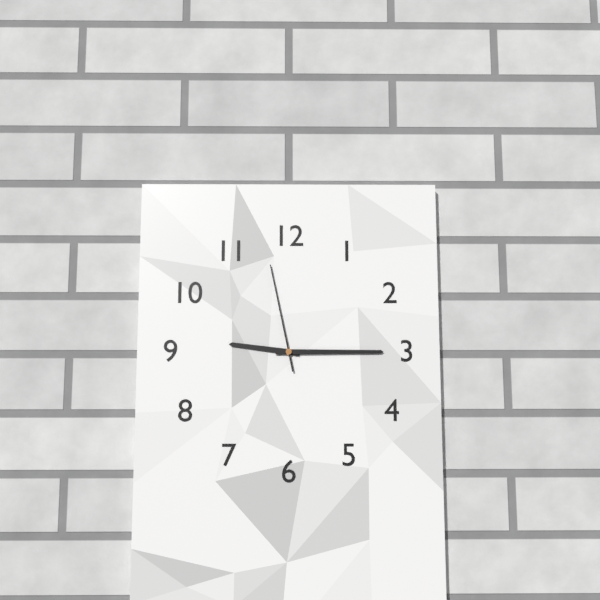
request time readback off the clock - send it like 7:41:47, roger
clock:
9:15:58
